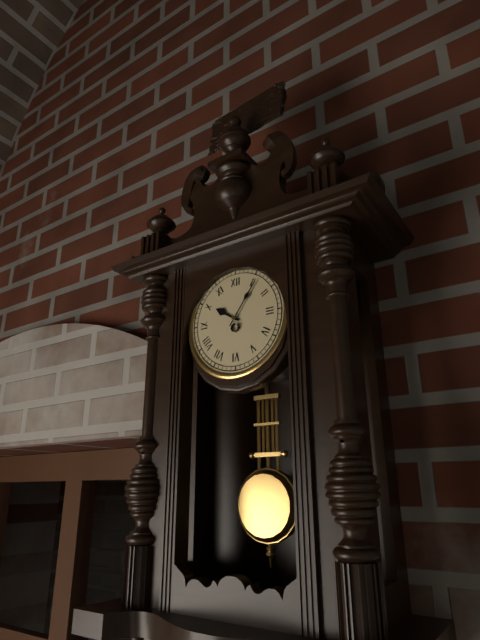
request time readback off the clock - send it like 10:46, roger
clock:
10:06
